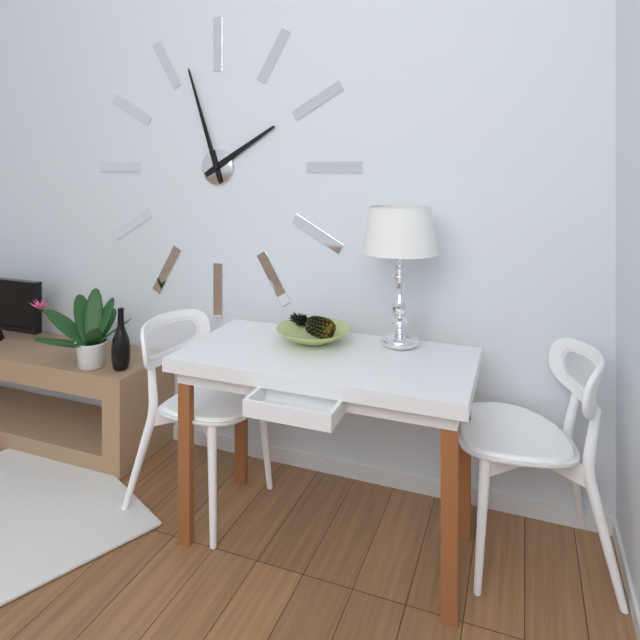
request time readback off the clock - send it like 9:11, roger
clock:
1:57
